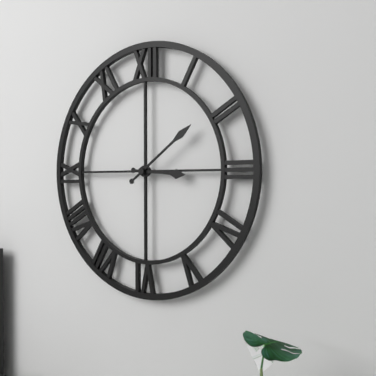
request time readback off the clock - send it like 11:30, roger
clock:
3:09
